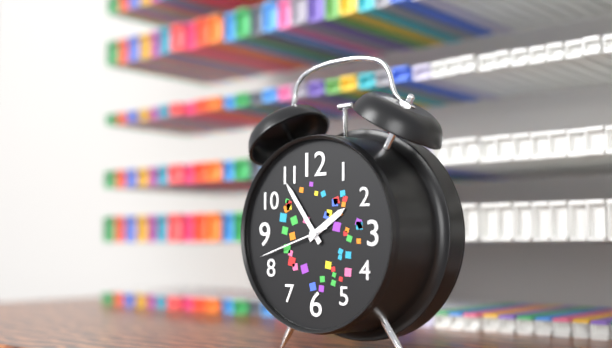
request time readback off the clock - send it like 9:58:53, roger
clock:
1:54:42
